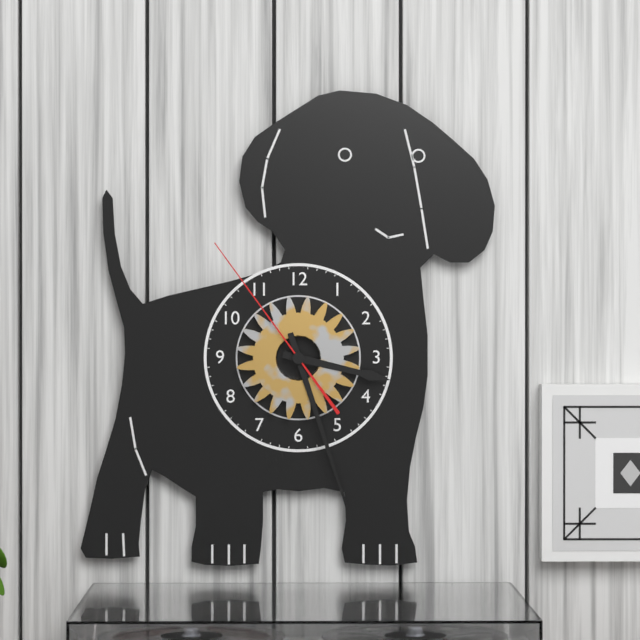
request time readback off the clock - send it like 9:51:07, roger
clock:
3:27:54
